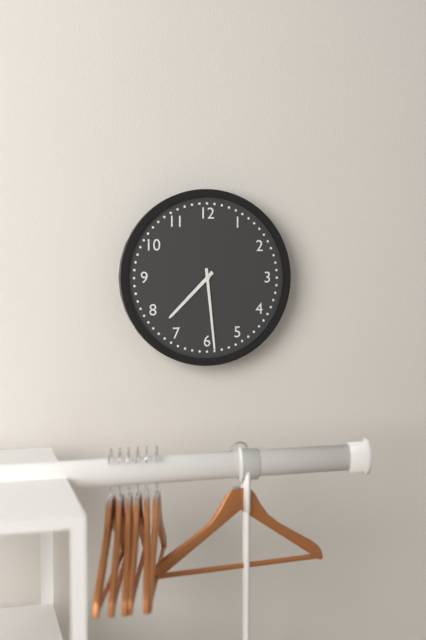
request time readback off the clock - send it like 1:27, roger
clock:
7:29
